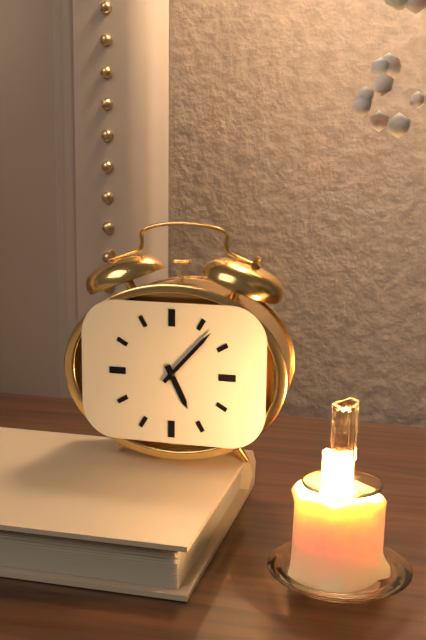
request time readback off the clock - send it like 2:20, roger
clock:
5:07
